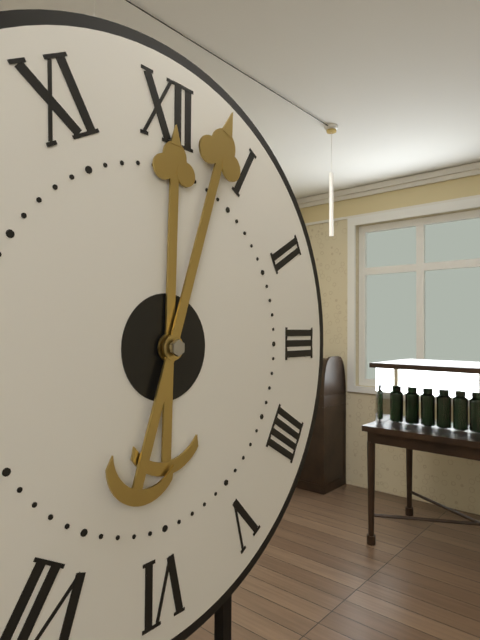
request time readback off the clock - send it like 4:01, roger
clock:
12:03
